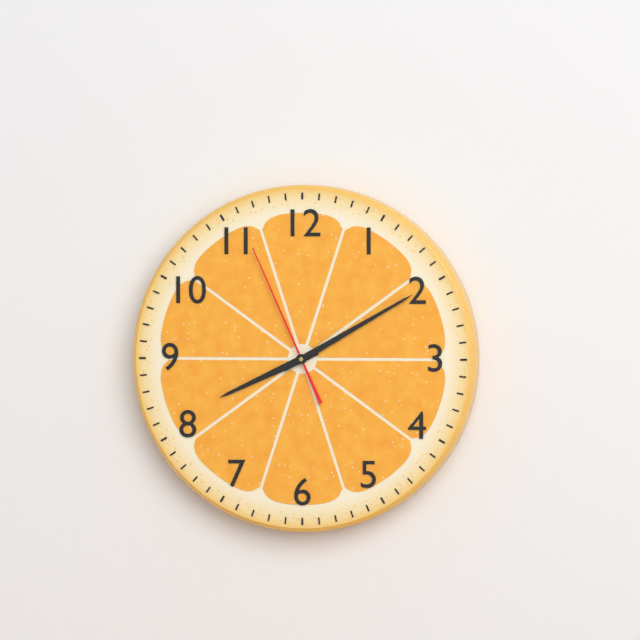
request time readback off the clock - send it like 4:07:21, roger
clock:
8:10:56
